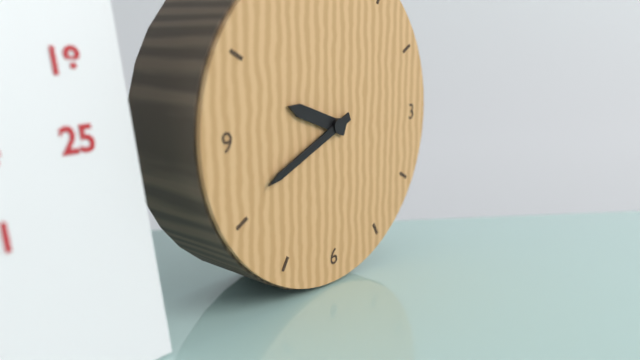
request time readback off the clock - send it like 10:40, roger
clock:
9:41
